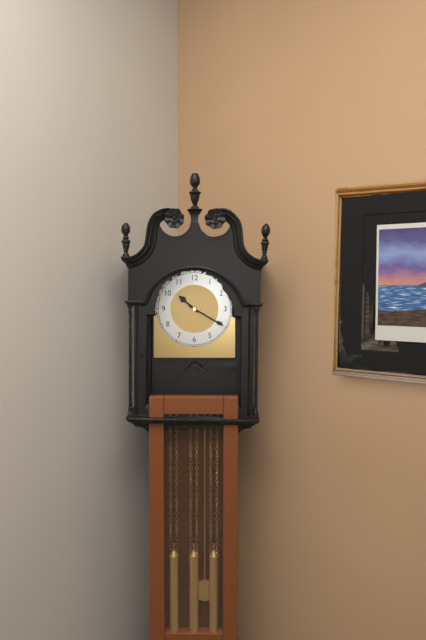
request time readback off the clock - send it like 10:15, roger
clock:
10:20
